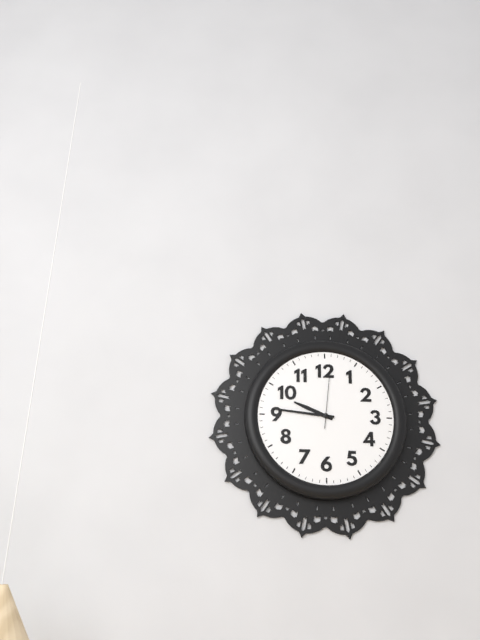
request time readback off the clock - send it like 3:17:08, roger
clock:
9:46:01
